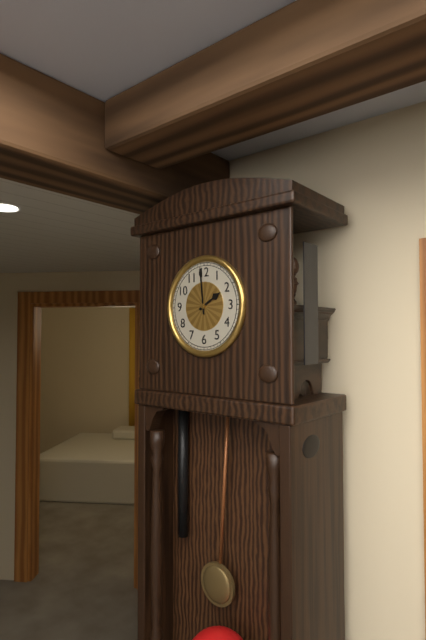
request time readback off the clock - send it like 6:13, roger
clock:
1:59
